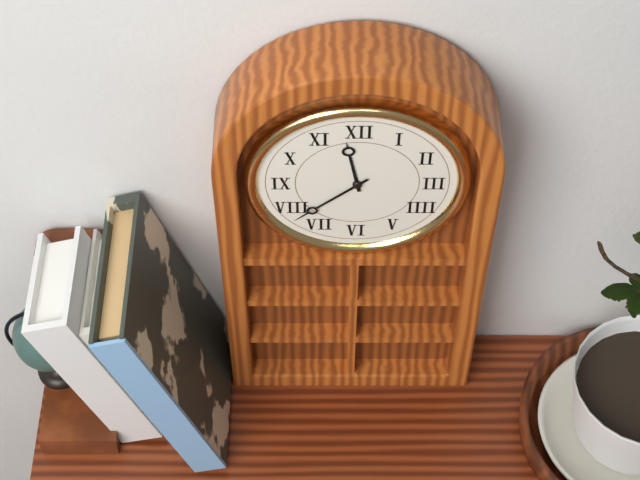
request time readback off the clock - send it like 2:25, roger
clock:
11:38
